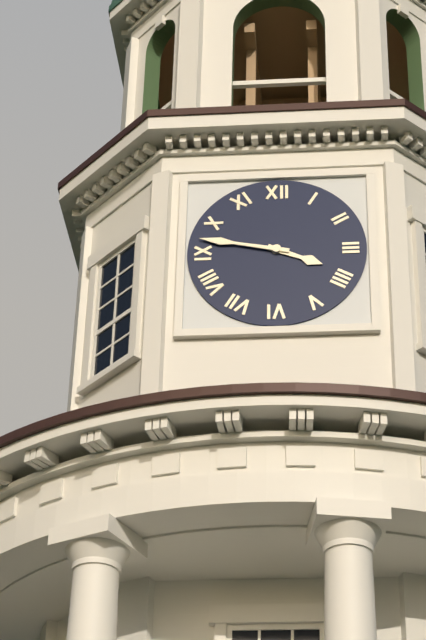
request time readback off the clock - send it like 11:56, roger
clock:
3:47
